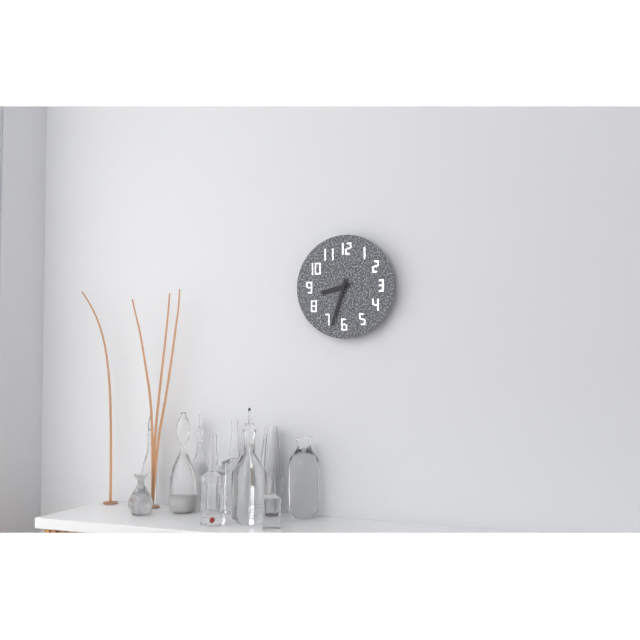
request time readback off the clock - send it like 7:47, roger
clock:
8:33
